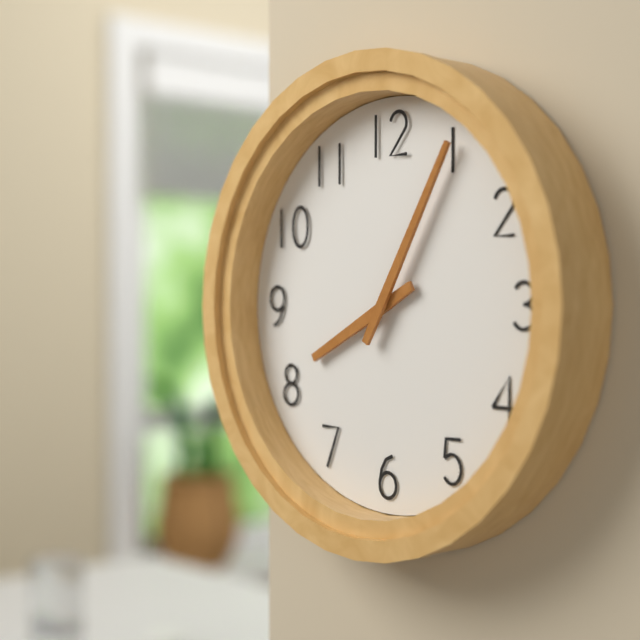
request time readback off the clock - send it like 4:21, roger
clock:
8:05
